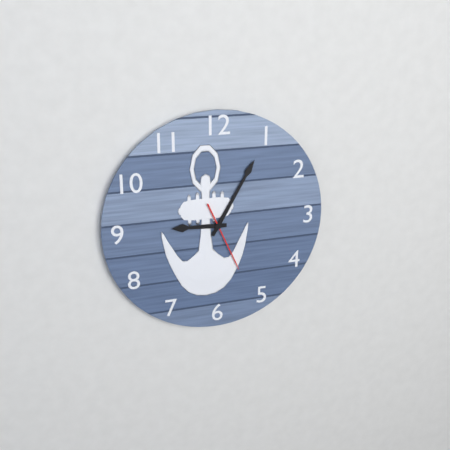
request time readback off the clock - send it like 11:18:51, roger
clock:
9:05:26
